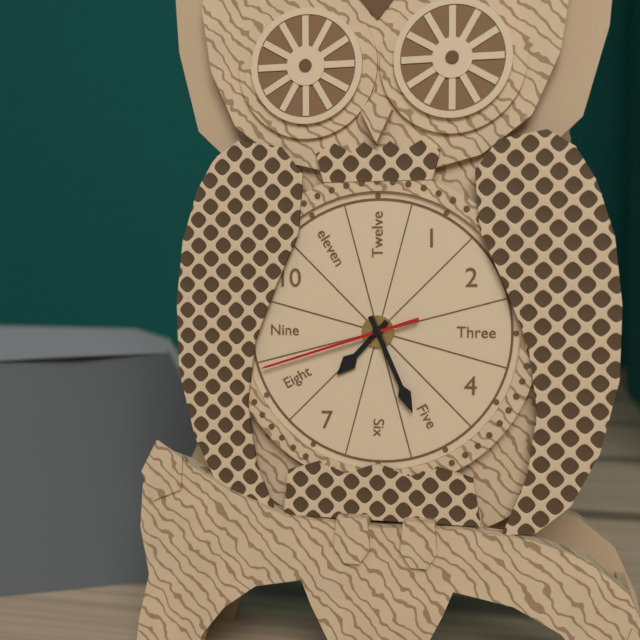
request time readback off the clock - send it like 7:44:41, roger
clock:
7:26:42
